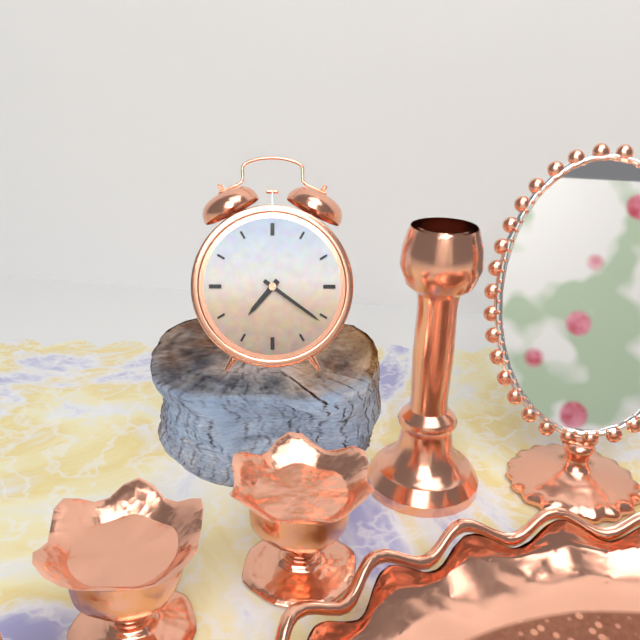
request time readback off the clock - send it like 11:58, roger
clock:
7:21
